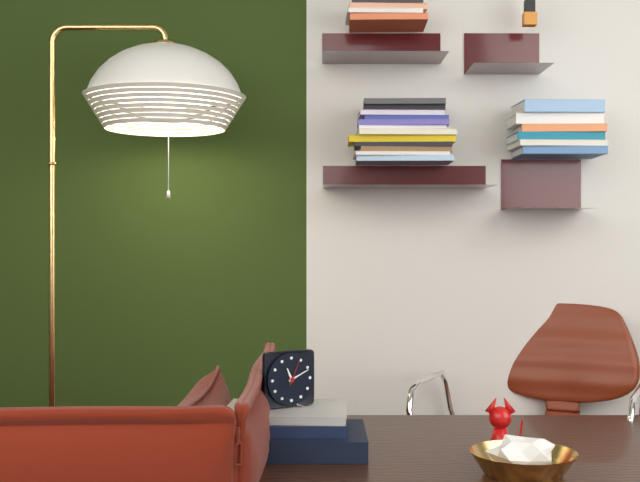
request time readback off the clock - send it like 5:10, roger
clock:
11:11
